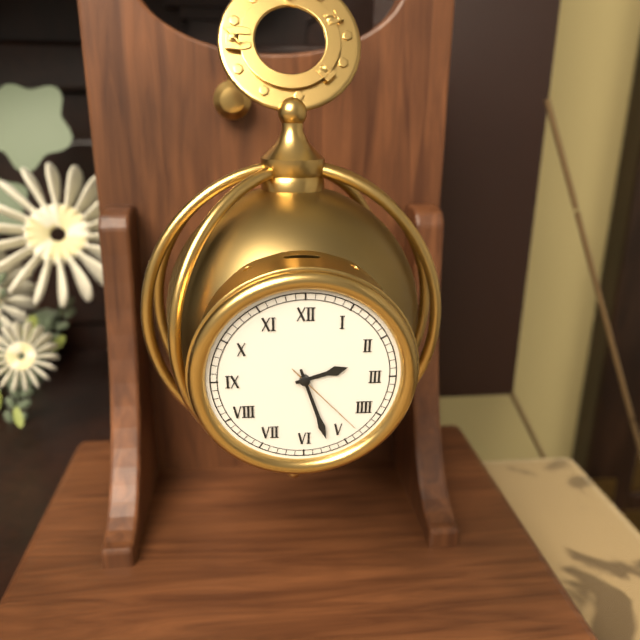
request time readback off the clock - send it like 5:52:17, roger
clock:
2:27:23
